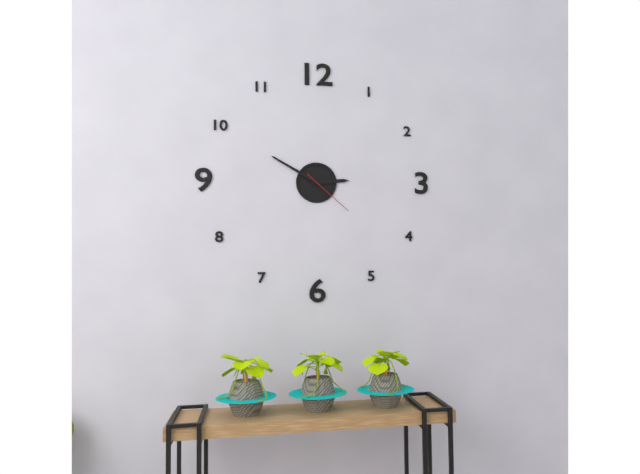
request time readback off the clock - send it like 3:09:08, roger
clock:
2:50:22
